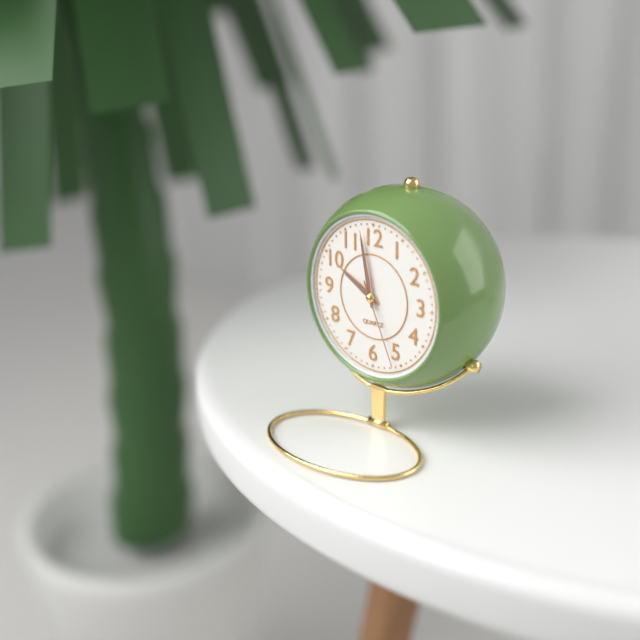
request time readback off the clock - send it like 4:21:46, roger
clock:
9:58:26
